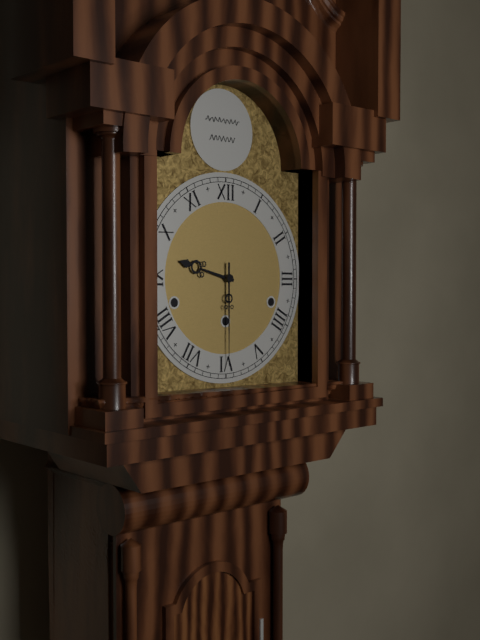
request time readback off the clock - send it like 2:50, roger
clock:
9:30
